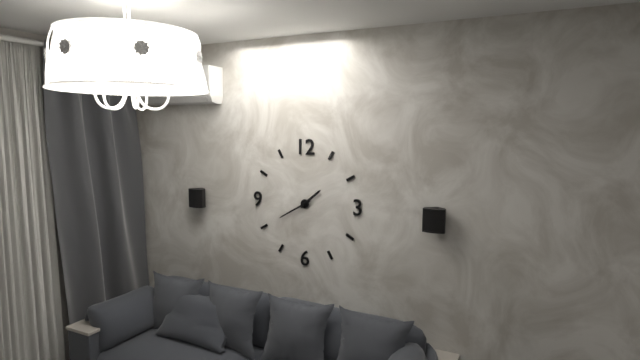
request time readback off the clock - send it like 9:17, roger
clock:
1:40
